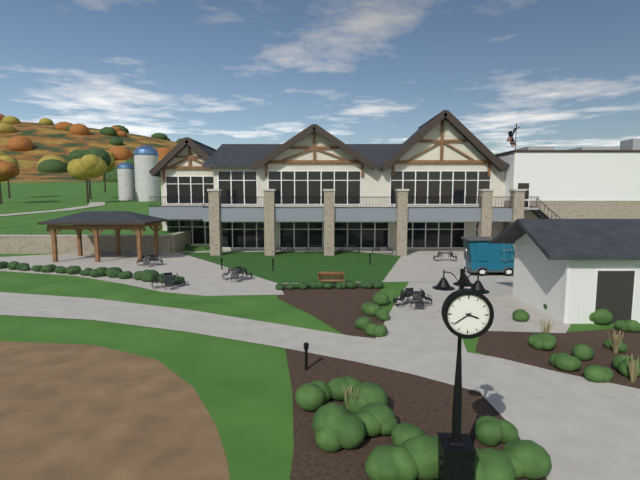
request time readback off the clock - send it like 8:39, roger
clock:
3:39
